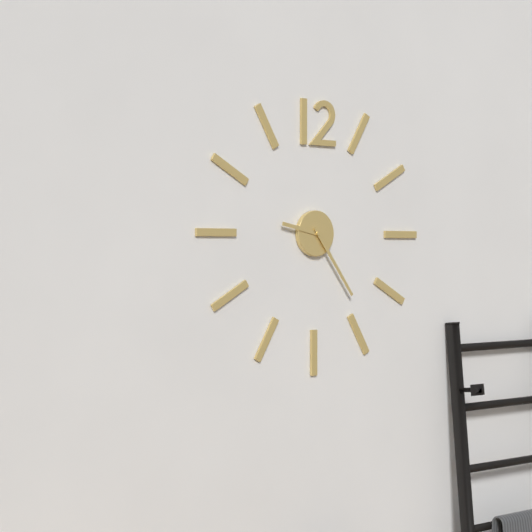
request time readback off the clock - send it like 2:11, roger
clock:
9:24
